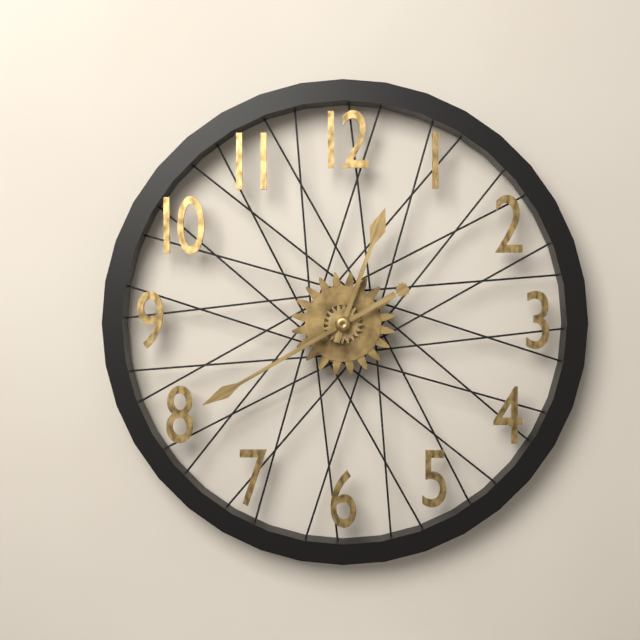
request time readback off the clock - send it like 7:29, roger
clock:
12:40
